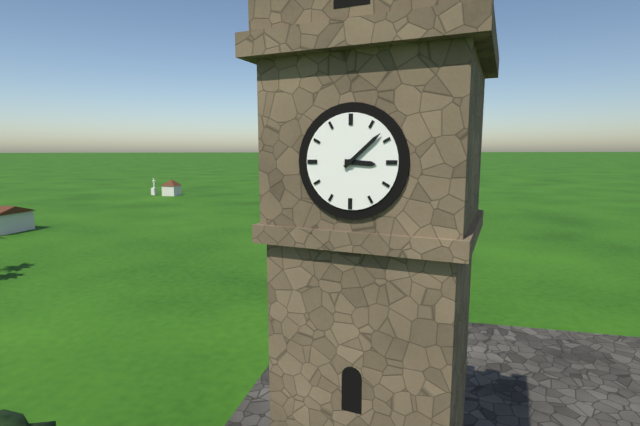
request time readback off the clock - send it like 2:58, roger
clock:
3:08
